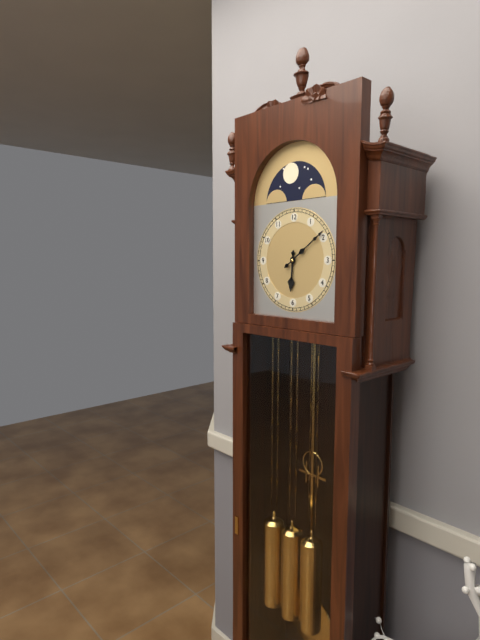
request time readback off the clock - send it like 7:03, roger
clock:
6:09
